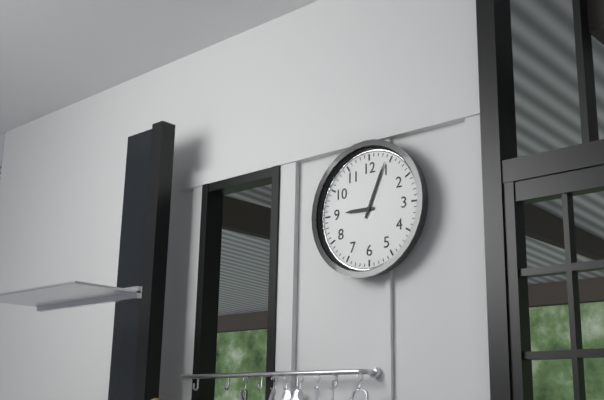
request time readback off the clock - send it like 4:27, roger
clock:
9:04
